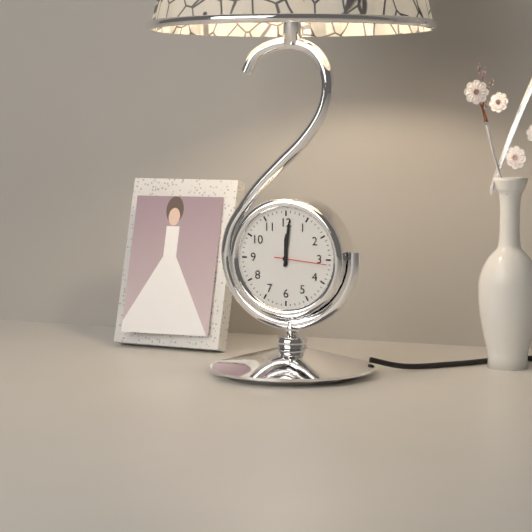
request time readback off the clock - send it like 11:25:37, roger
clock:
12:01:16
